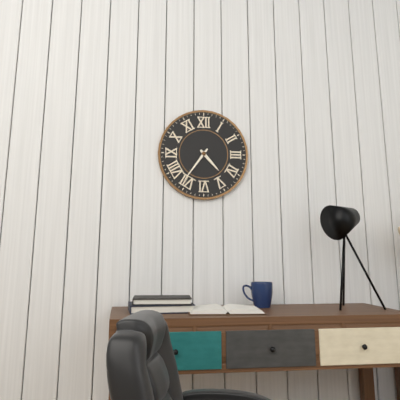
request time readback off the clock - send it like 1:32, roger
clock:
4:36
